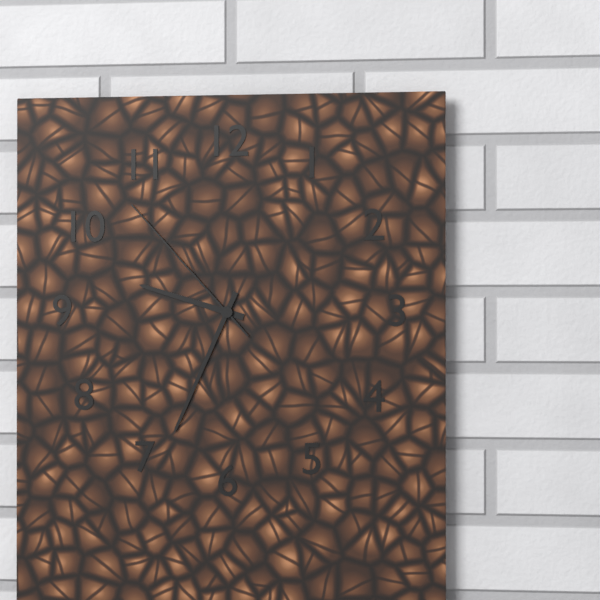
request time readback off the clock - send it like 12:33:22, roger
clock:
9:34:53
